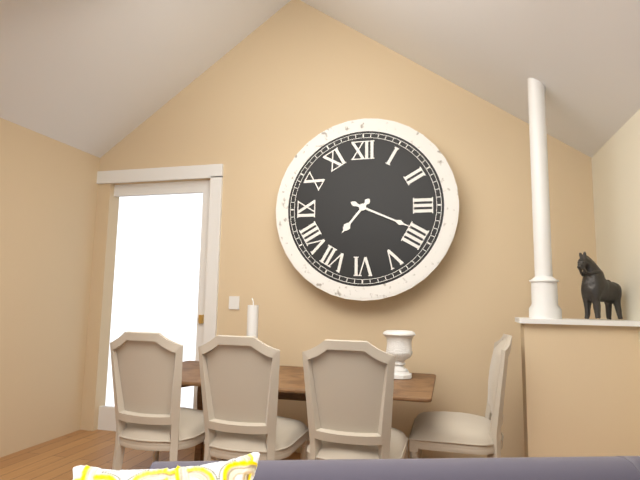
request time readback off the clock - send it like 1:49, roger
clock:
7:19
